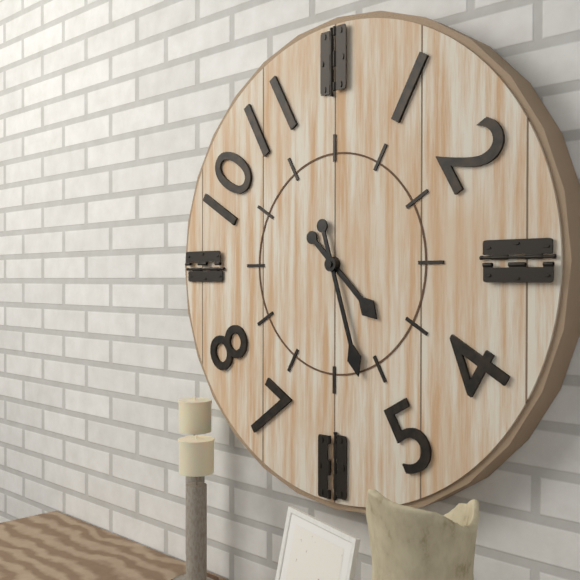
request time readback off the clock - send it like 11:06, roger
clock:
4:27
